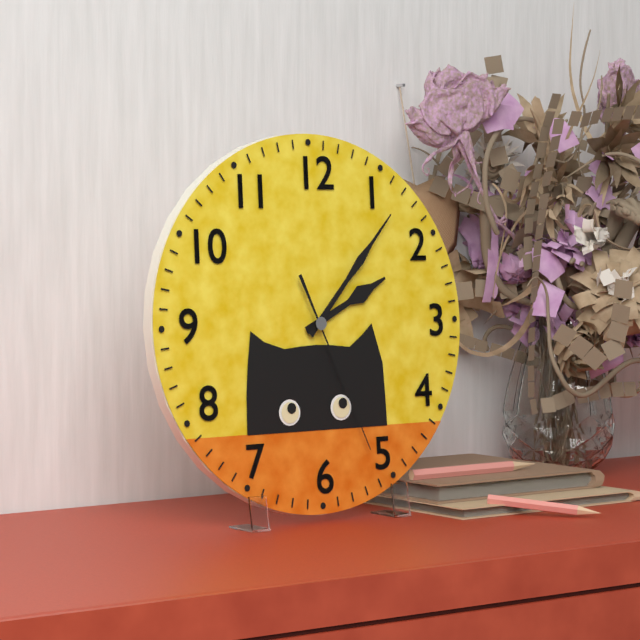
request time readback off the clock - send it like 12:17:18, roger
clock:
2:07:26
